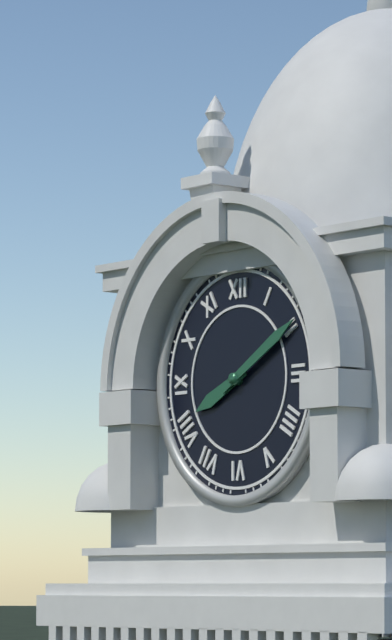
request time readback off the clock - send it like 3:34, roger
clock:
8:10
